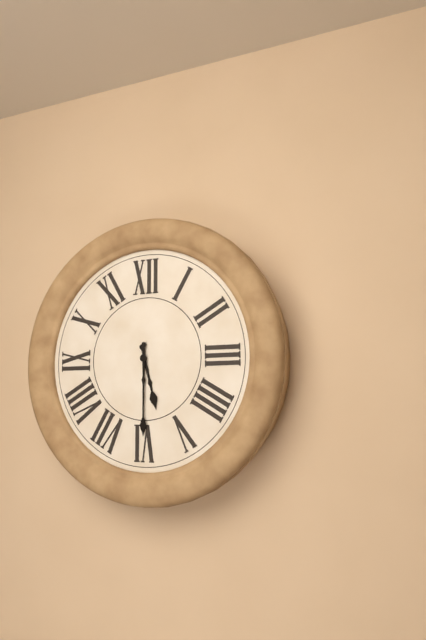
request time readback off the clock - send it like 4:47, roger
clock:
5:30
